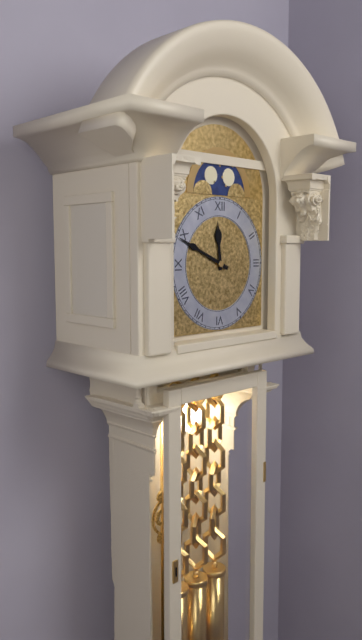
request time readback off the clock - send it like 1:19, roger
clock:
11:49
